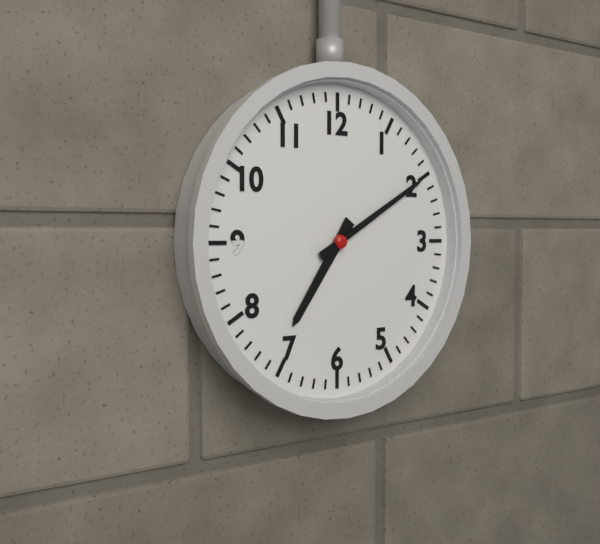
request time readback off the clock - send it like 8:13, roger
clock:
7:10
